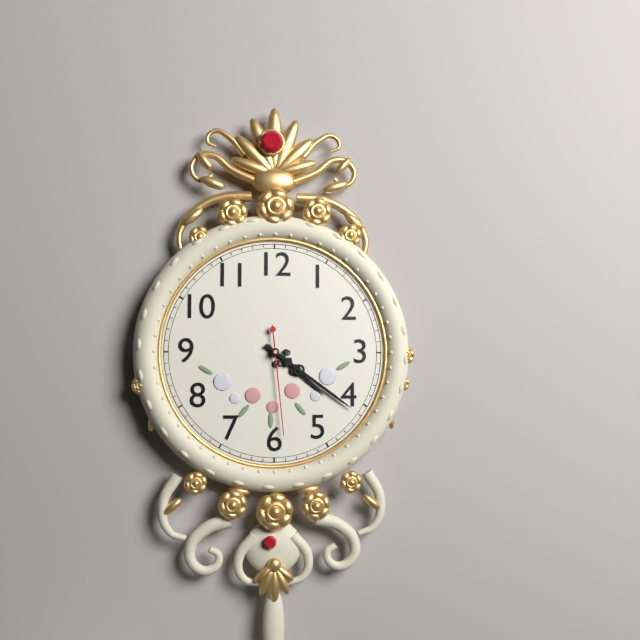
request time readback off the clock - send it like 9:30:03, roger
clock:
4:21:29
